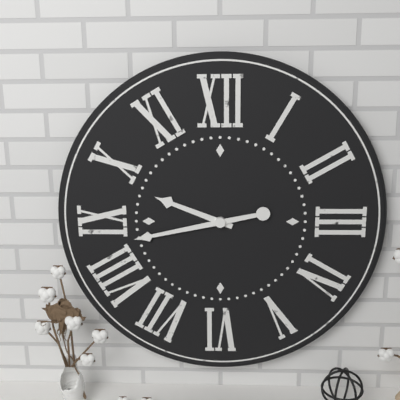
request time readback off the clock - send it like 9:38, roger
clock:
9:43
